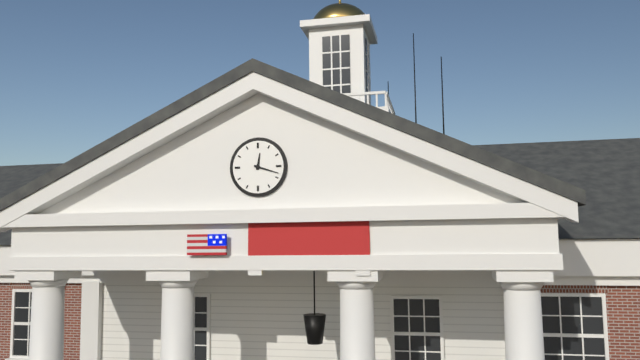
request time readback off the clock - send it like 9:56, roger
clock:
12:18
